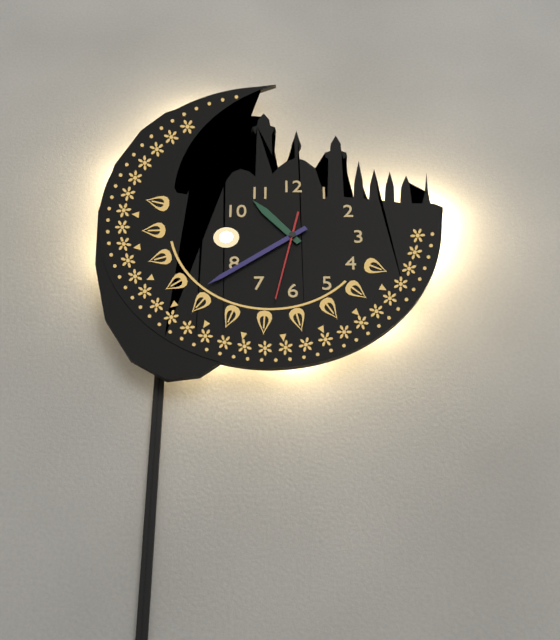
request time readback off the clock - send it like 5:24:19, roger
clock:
10:39:32
